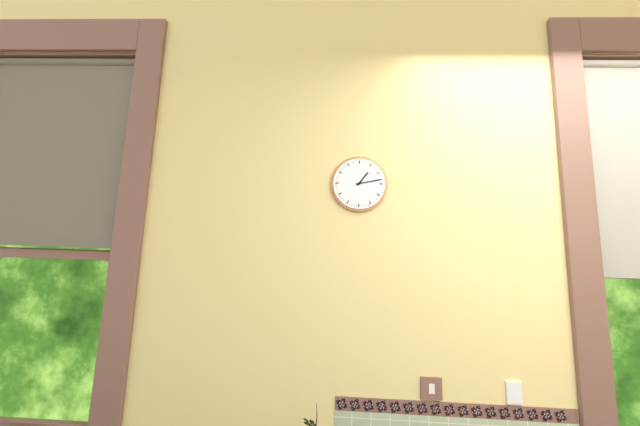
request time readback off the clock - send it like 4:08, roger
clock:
1:13
